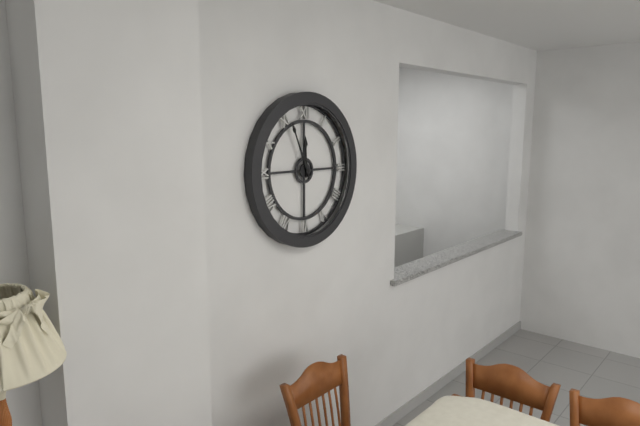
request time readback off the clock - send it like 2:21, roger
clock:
11:56
